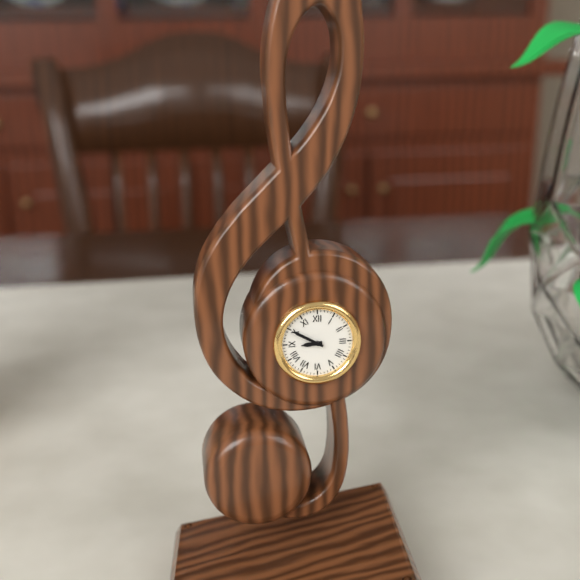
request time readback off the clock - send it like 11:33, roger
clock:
8:50
